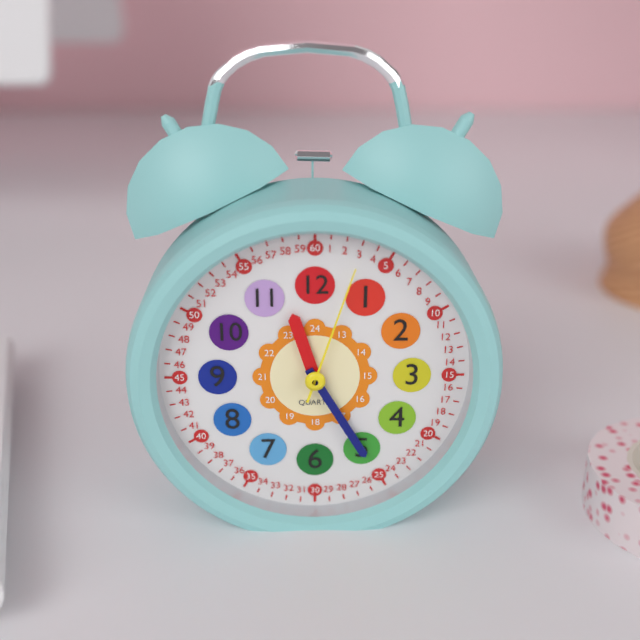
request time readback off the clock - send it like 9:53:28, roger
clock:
11:25:03
